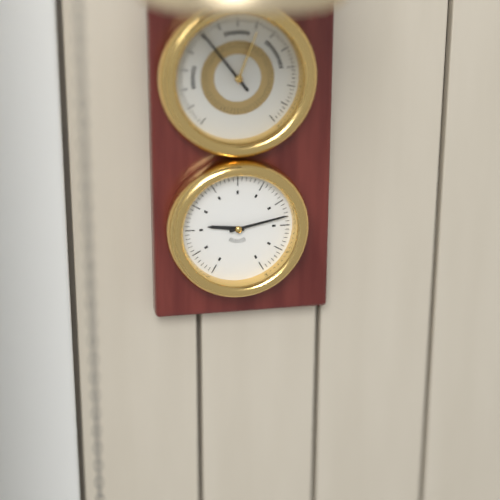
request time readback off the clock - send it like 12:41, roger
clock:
9:13
